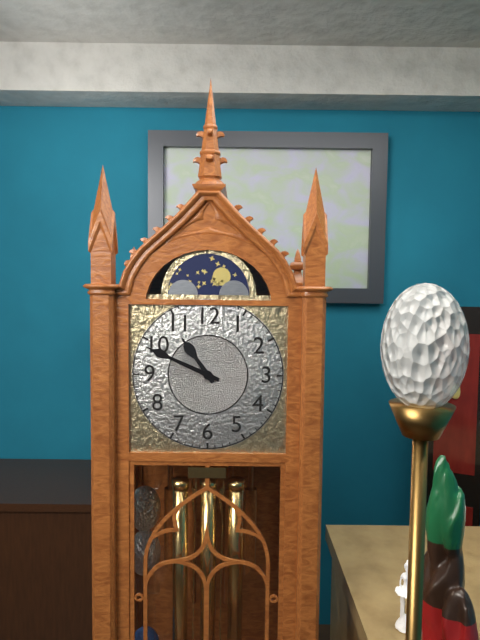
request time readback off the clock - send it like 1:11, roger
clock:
10:49
